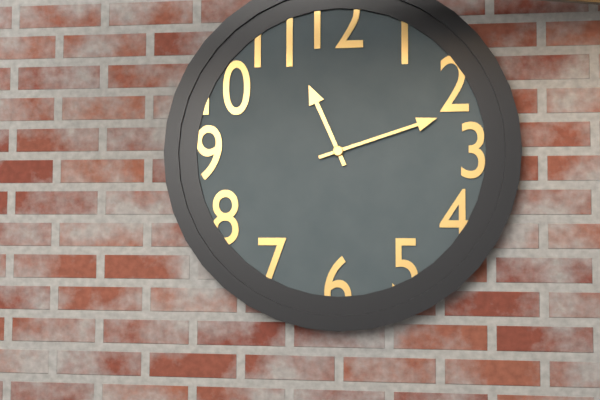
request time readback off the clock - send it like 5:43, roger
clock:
11:12
